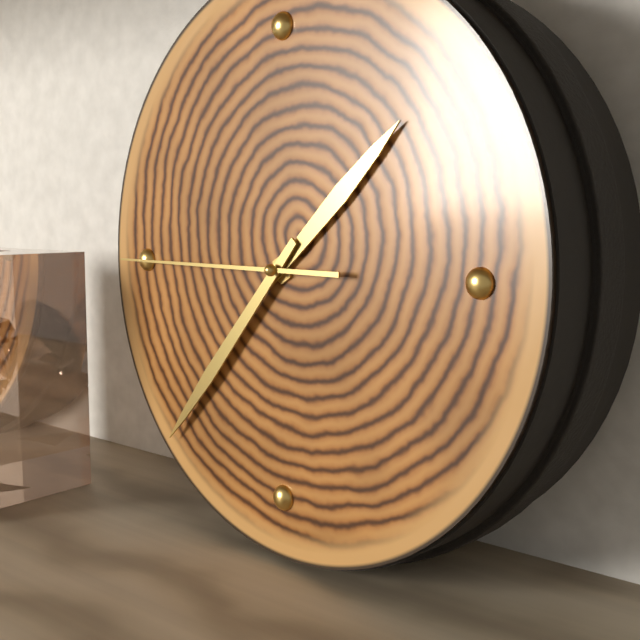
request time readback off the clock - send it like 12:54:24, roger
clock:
1:37:45
